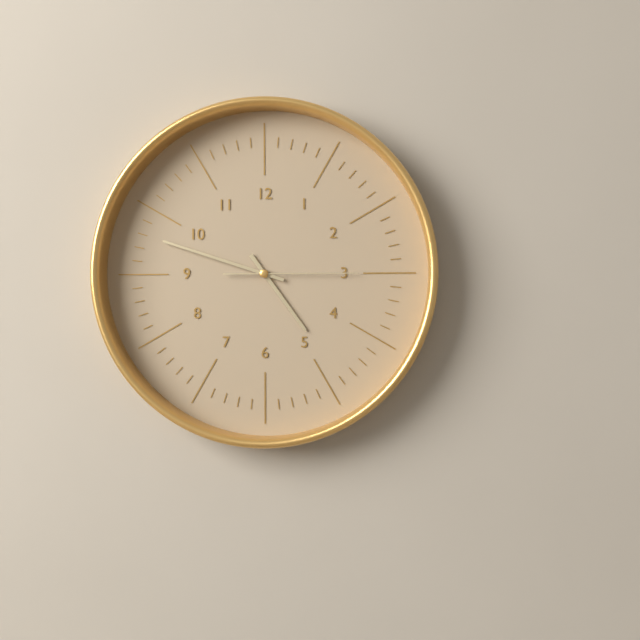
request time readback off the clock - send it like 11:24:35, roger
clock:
4:48:15
